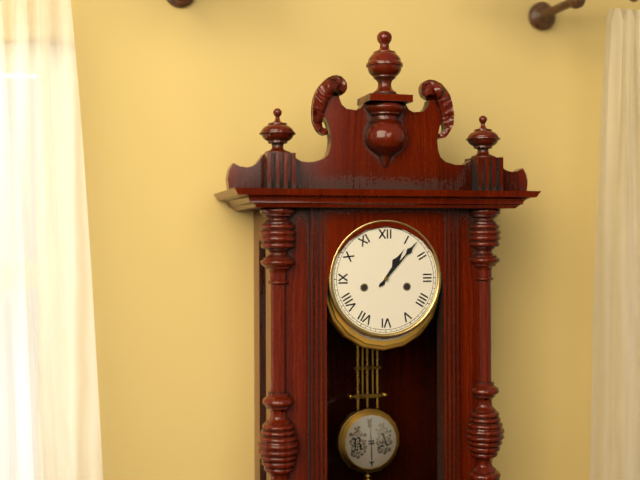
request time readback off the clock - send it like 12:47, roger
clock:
1:07
